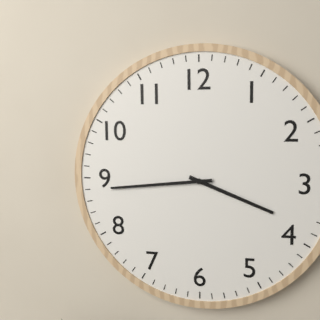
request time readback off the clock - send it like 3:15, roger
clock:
3:44
